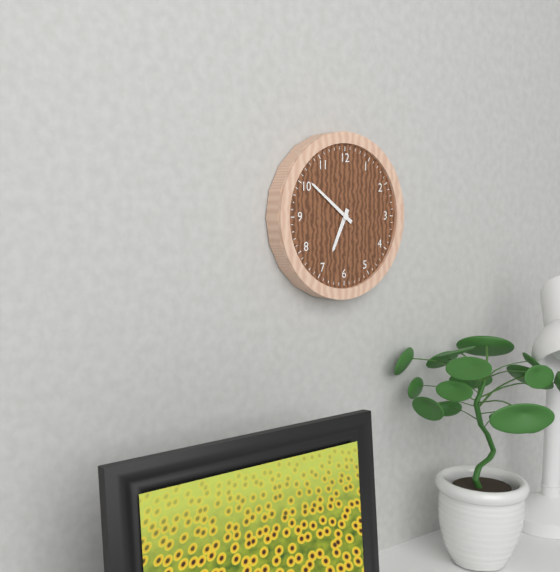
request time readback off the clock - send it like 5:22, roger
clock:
6:51
